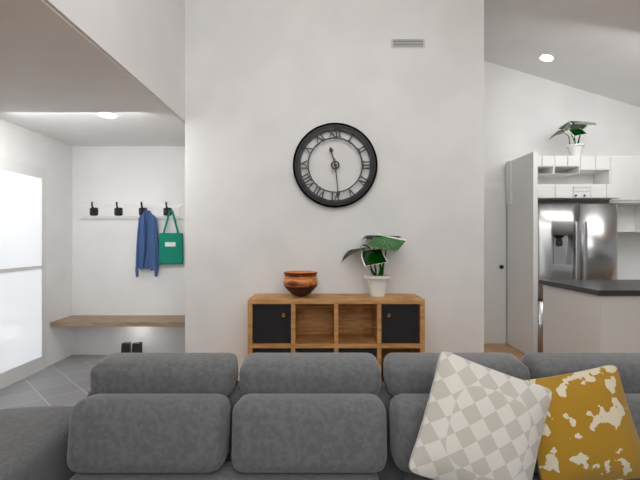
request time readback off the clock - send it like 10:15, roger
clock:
11:29
